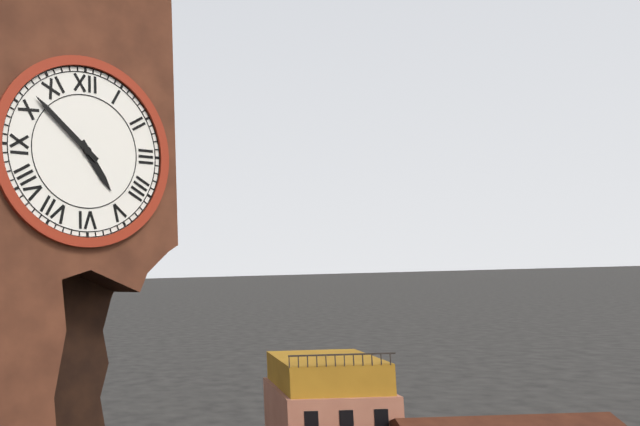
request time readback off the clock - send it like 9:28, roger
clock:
4:52
